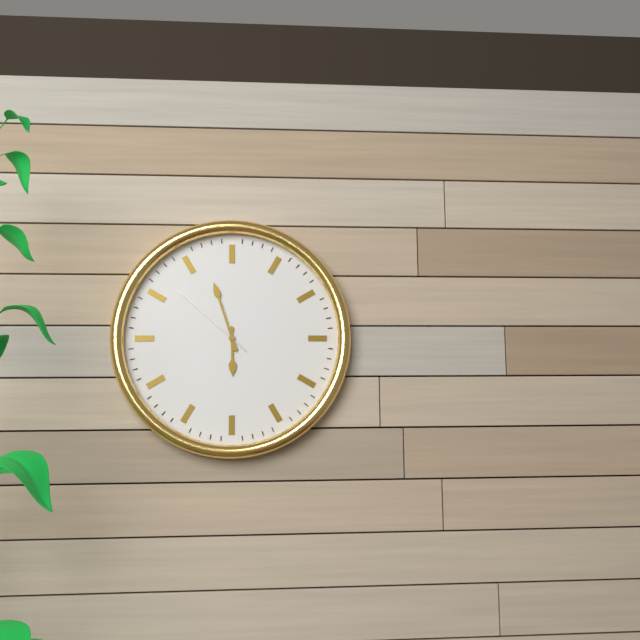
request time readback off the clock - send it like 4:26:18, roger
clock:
5:57:52
